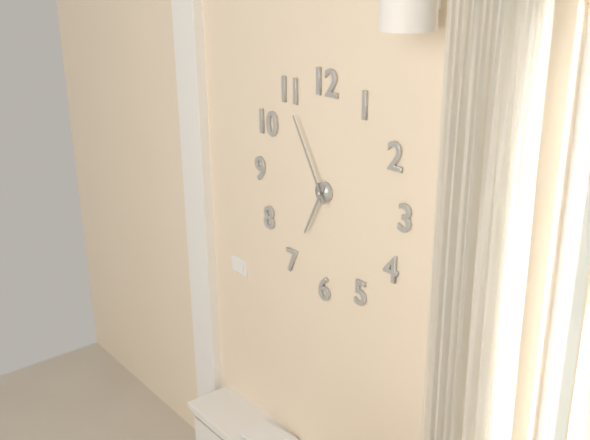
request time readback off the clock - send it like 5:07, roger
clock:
6:55
